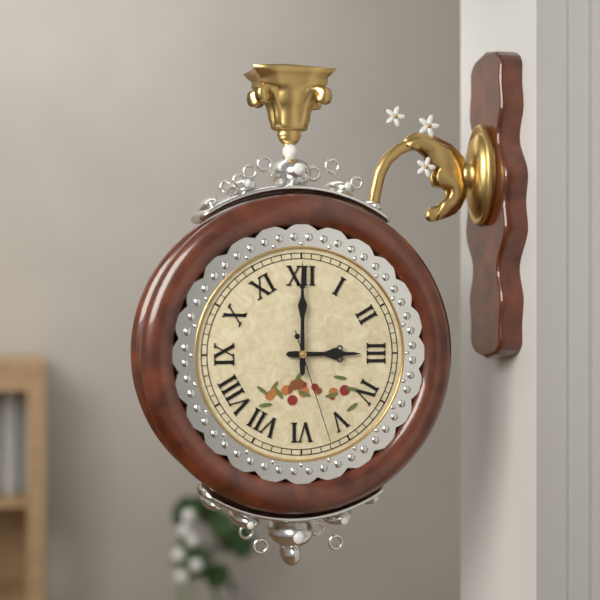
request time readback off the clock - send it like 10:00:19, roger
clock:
3:00:27
